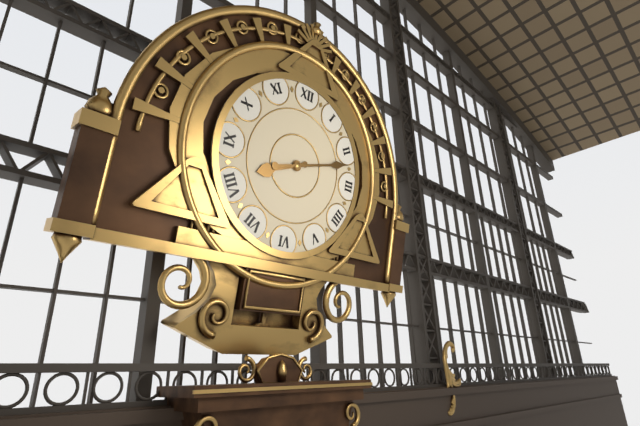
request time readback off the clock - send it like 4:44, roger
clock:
8:12
